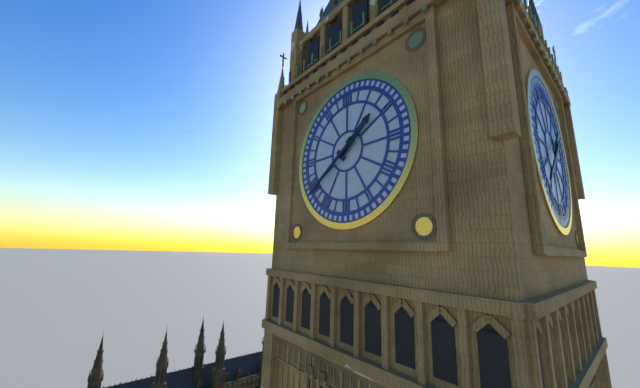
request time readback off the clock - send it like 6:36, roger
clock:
1:39
